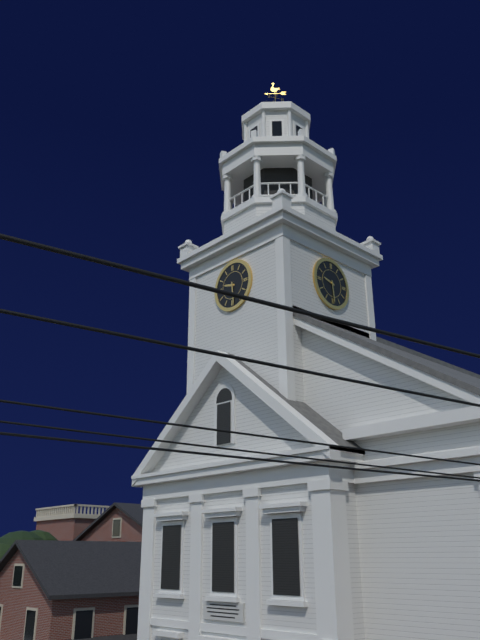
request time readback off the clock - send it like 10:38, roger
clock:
9:29
